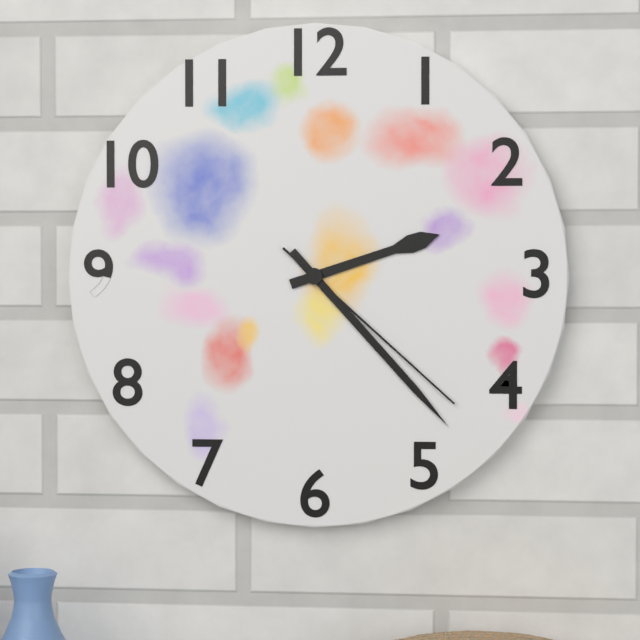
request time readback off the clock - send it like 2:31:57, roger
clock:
2:23:22
